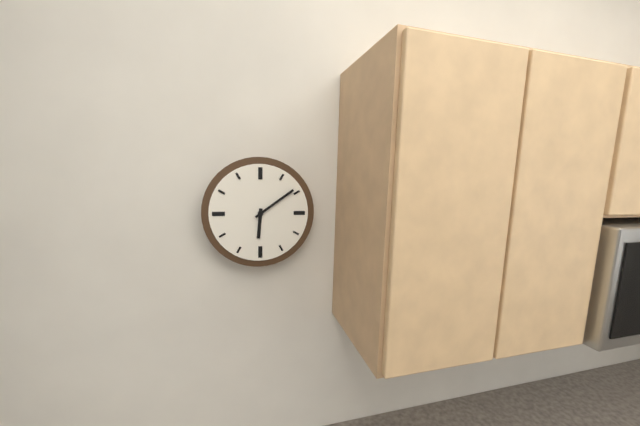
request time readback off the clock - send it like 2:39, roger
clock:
6:09
